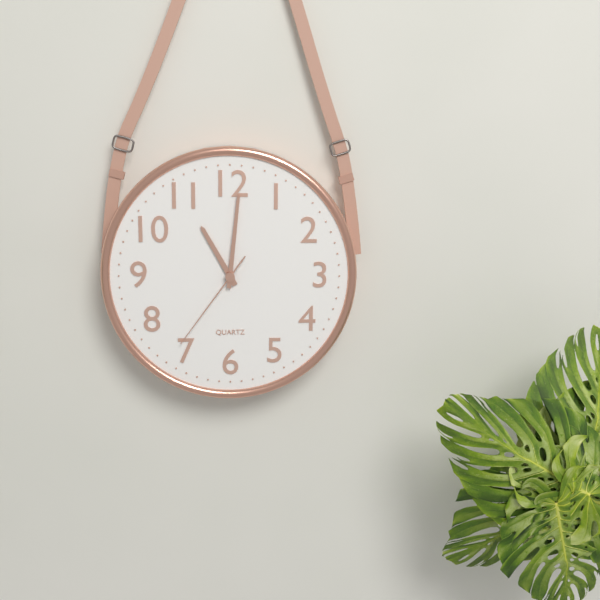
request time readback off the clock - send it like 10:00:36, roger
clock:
11:01:36
